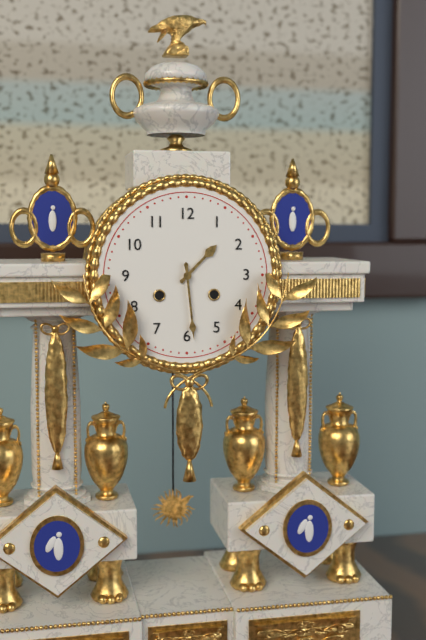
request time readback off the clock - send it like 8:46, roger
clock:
1:29
